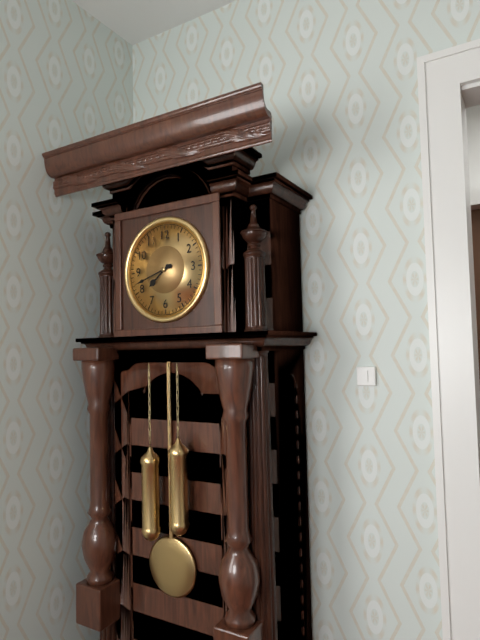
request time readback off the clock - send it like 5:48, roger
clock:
7:42
